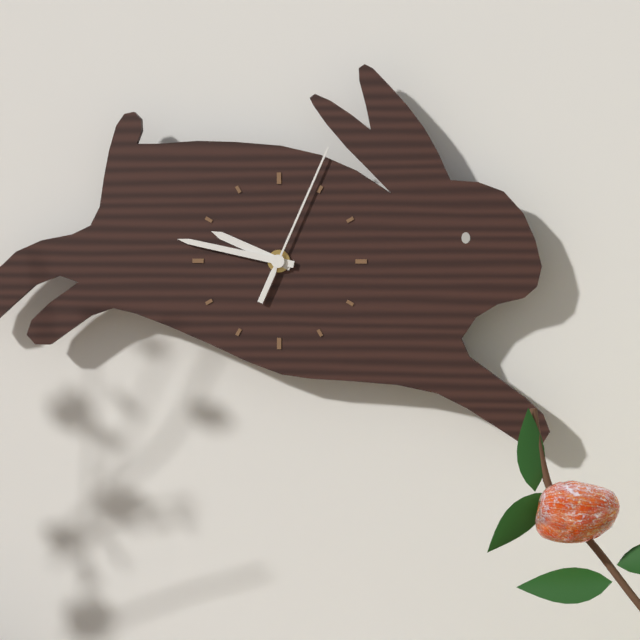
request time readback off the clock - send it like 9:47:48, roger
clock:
9:47:04
